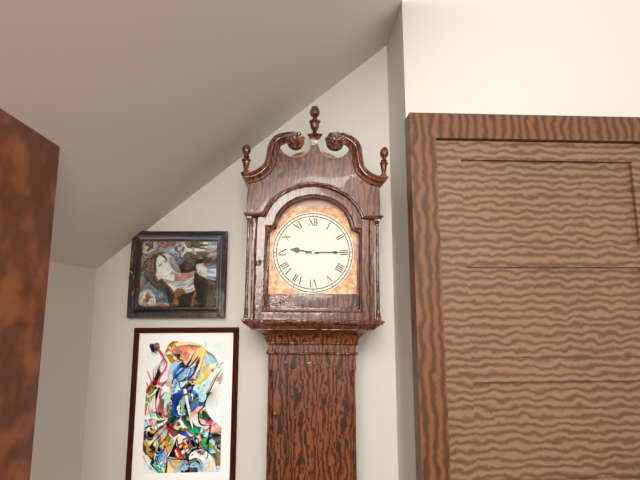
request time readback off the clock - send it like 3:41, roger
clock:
9:15
